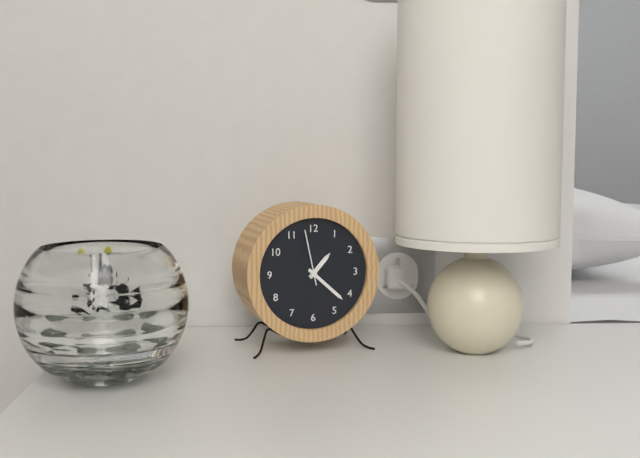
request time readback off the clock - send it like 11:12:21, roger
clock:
1:22:58
